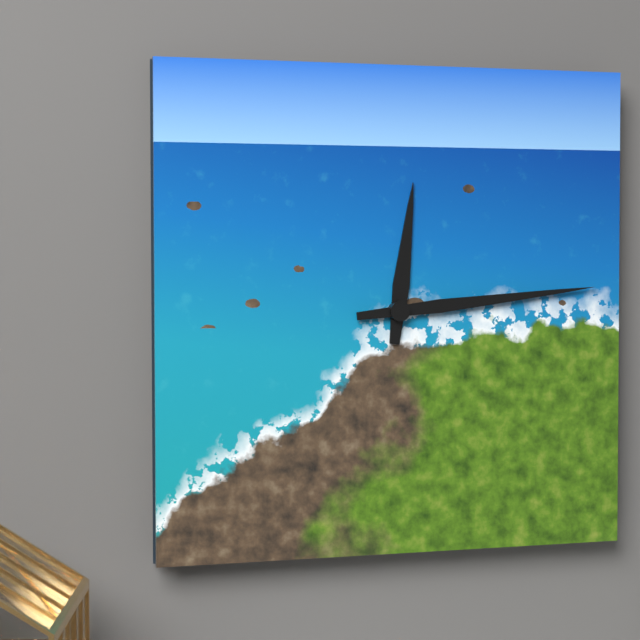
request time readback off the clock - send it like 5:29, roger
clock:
12:14
